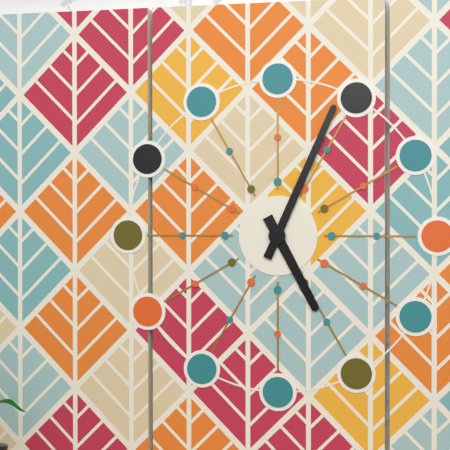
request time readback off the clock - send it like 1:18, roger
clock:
5:04
